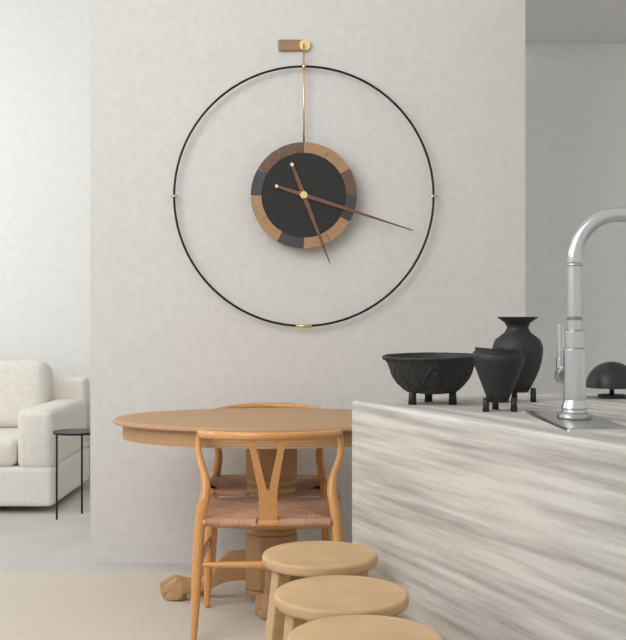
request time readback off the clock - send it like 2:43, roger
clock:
5:18
